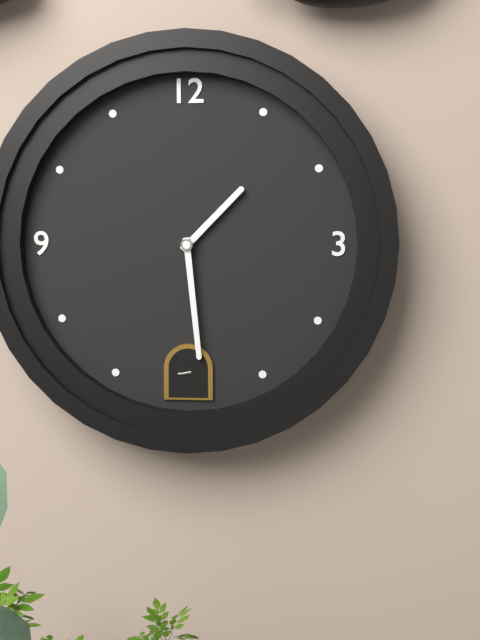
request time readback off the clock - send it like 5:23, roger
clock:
1:29
